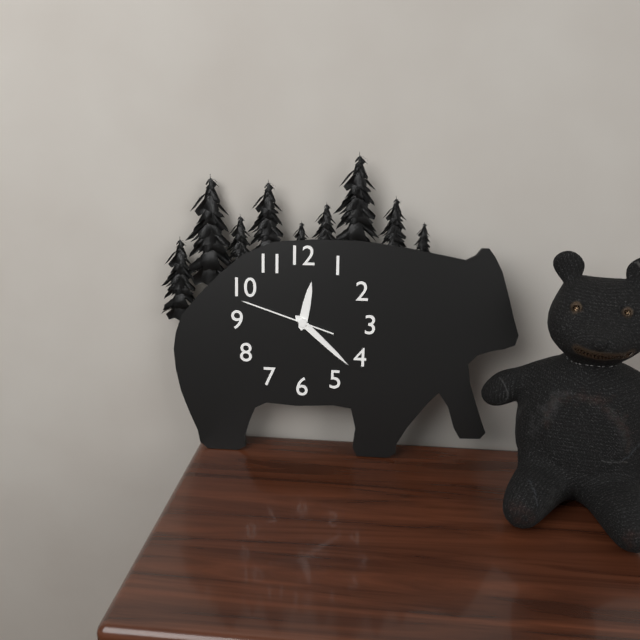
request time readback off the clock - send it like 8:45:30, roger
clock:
12:22:48
